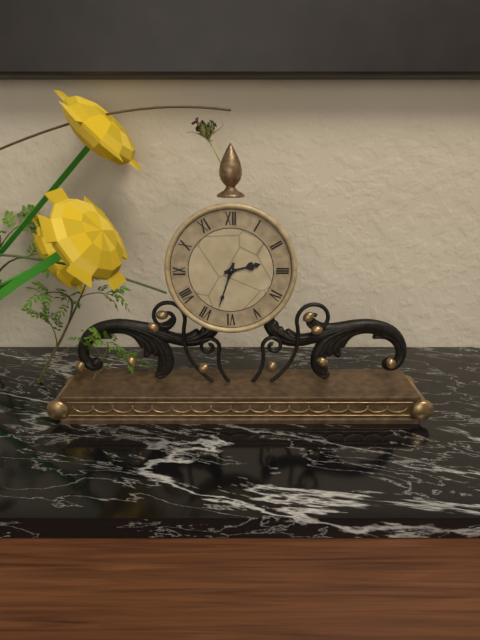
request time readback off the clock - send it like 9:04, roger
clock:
2:33
